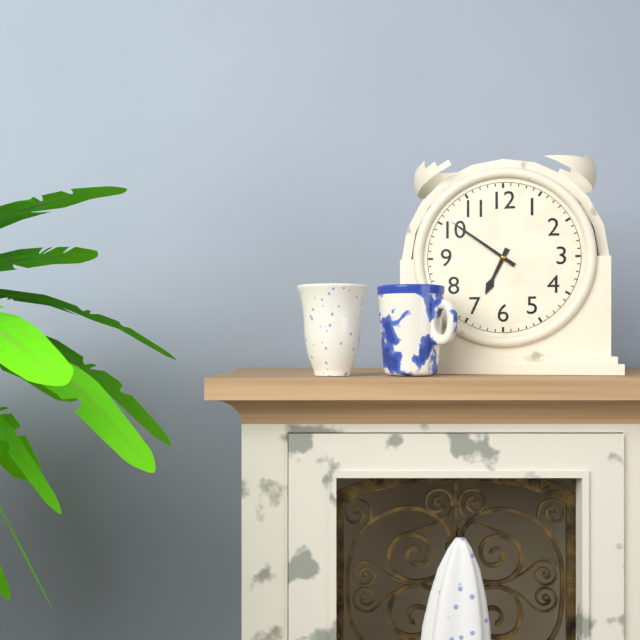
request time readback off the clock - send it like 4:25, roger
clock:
6:51
